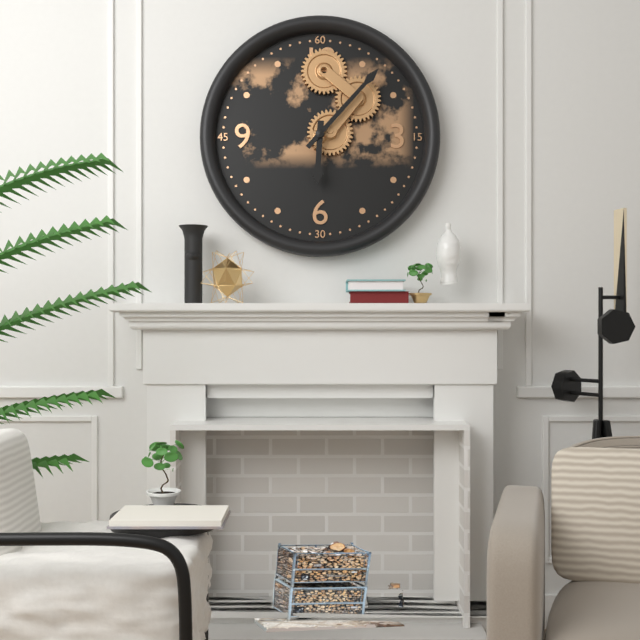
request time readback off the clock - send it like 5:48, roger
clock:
6:07
